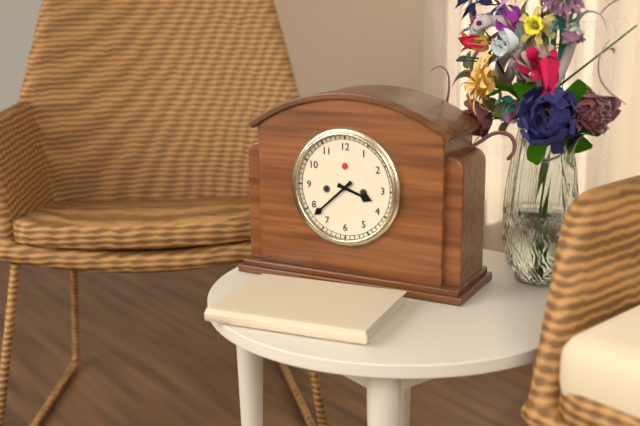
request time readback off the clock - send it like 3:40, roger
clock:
3:38
